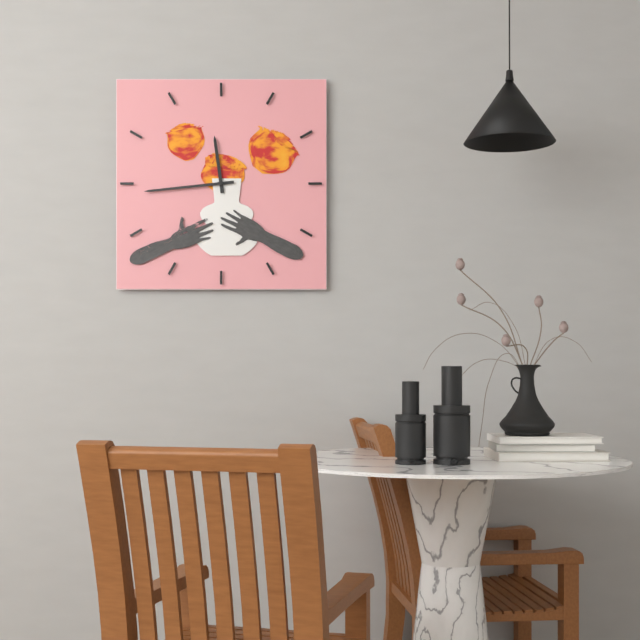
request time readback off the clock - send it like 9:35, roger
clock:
11:44
